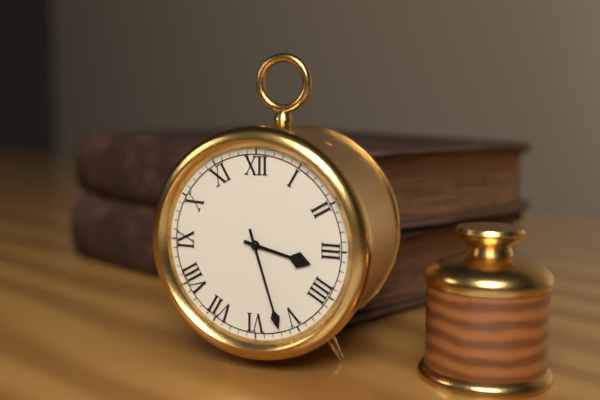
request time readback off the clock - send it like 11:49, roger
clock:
3:27
